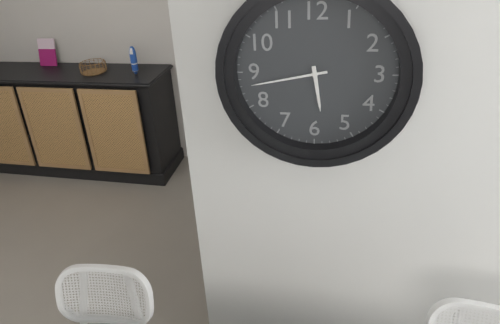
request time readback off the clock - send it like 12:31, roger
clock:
5:43
